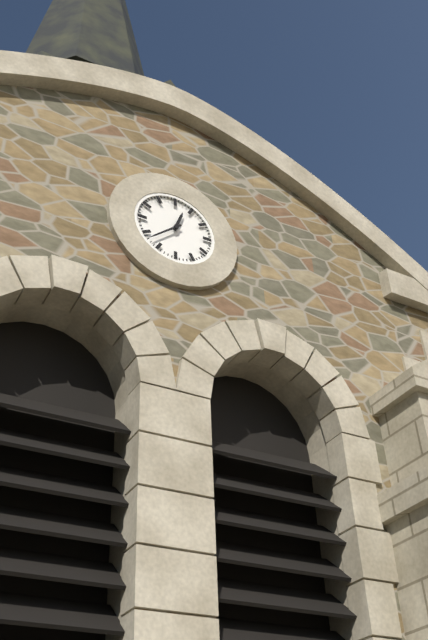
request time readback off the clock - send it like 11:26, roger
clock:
12:38
